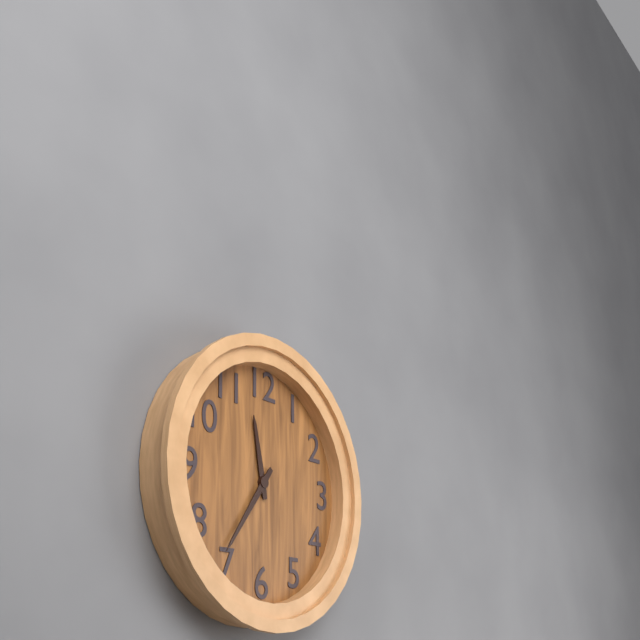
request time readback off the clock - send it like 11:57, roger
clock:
11:36
